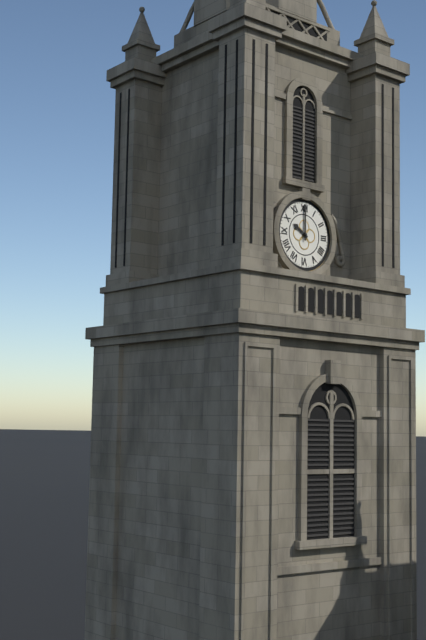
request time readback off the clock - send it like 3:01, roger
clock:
10:00
